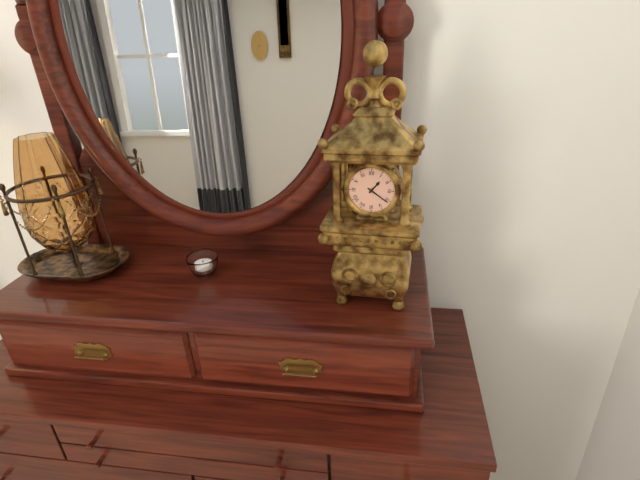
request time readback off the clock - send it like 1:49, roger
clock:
1:21
